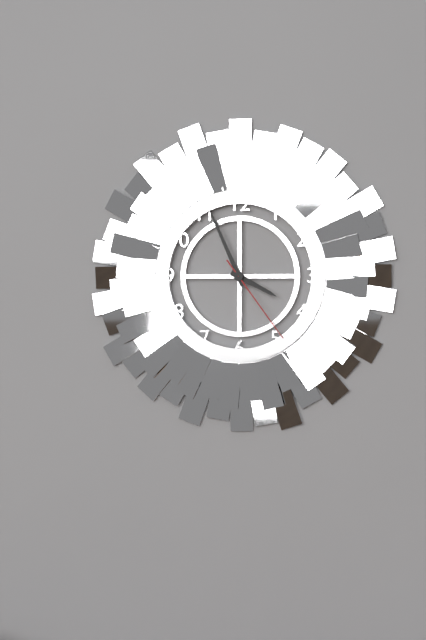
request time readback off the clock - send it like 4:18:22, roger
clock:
3:56:24
